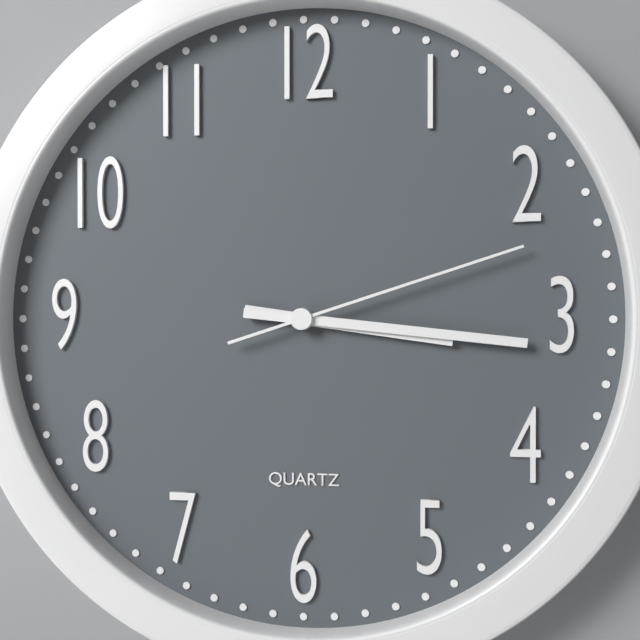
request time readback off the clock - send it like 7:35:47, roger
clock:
3:16:12
